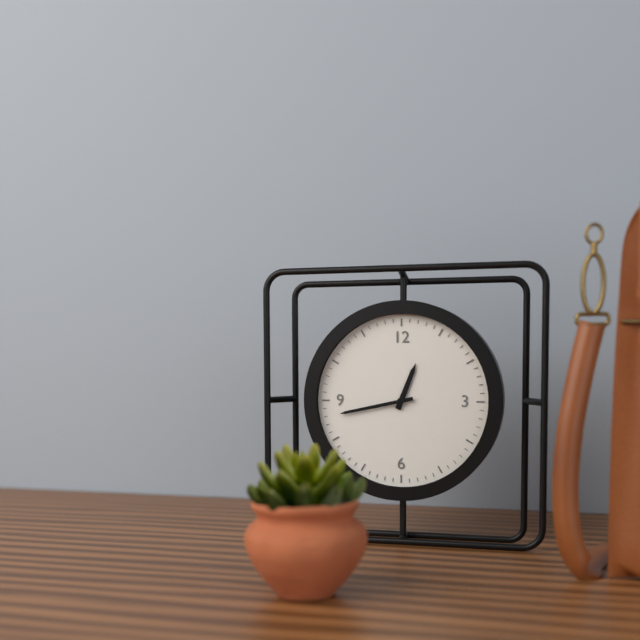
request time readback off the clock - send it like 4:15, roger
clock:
12:43
